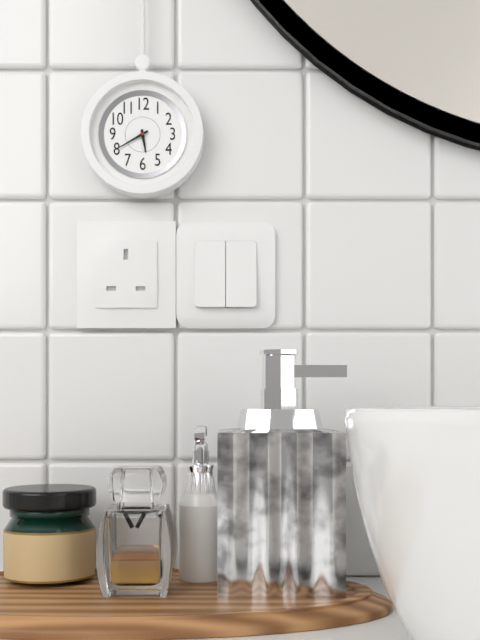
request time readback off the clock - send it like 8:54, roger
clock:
5:40
